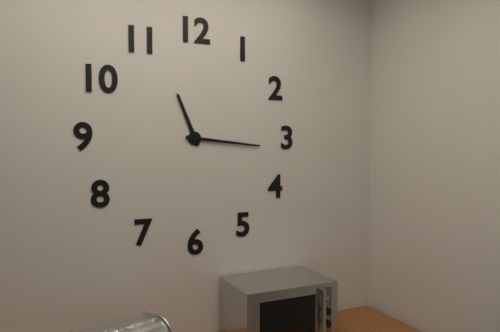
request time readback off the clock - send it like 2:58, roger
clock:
11:16
